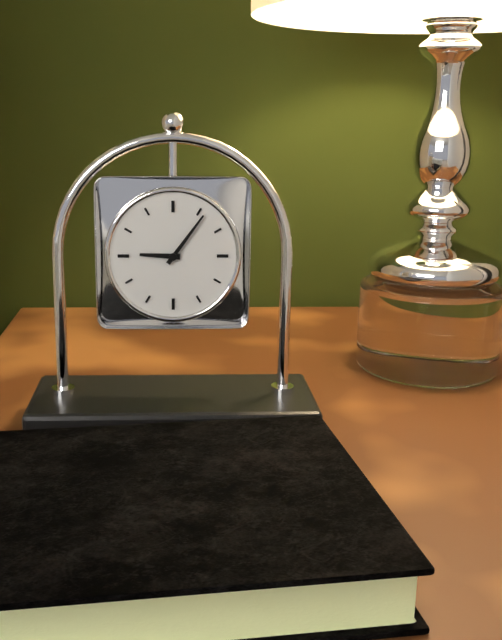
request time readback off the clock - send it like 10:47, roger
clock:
9:06
